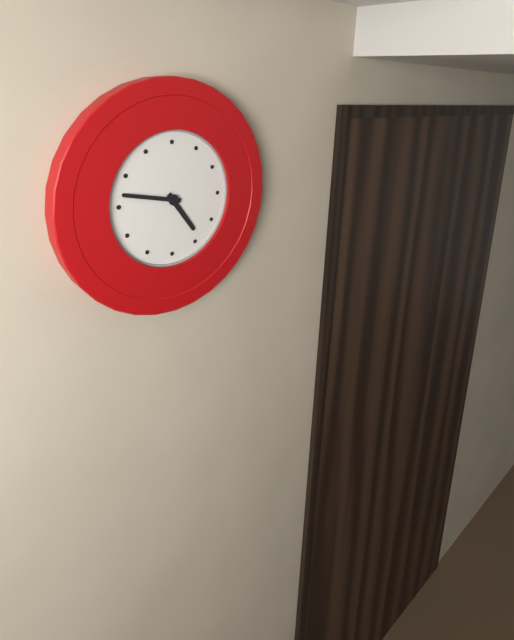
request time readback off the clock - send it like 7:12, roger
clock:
4:47
